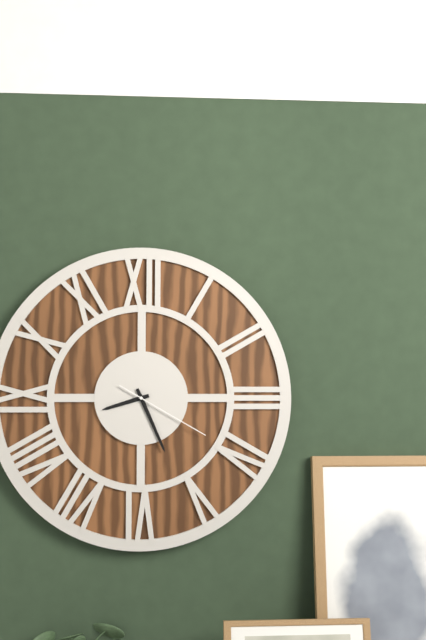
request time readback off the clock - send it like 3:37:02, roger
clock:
8:26:20
